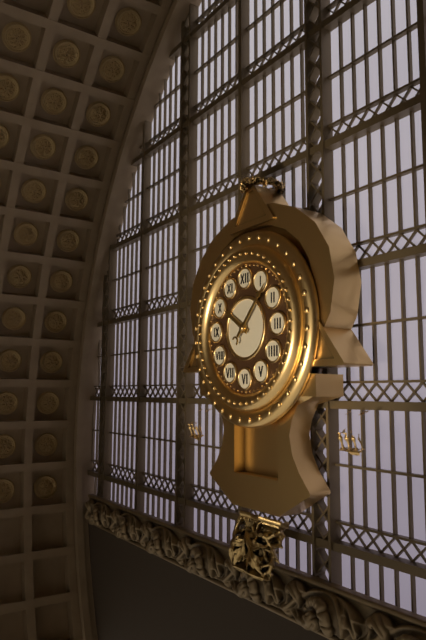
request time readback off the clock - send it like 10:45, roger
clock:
10:07
